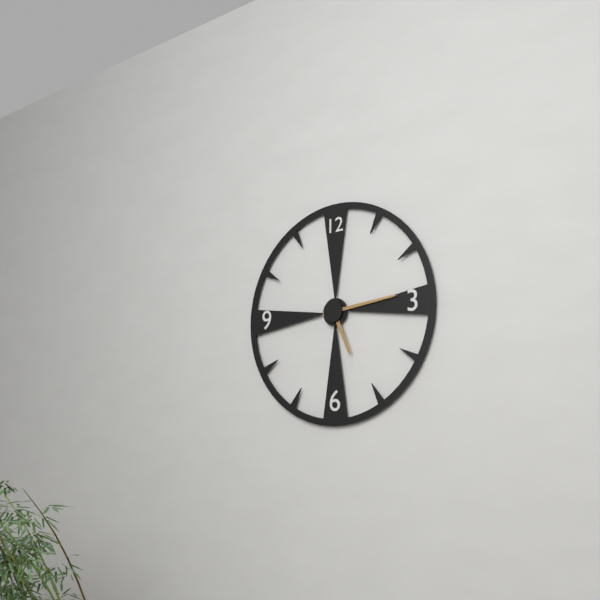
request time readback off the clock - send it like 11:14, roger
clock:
5:14
